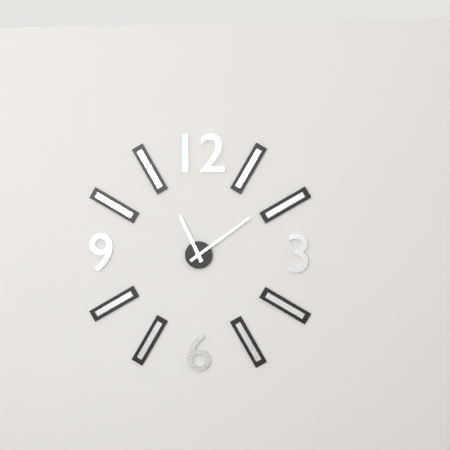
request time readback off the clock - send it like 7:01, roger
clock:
11:09
